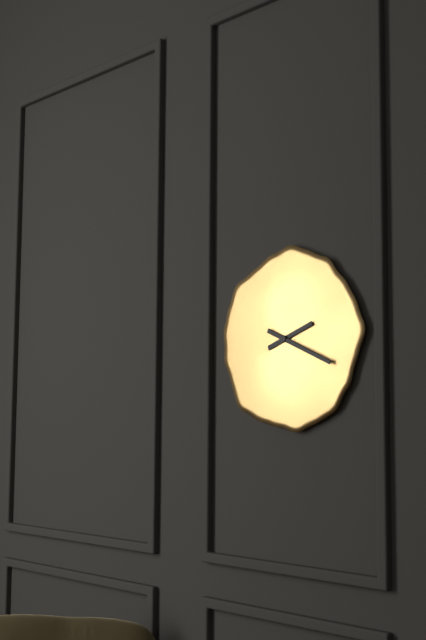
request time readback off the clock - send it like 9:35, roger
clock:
2:19
